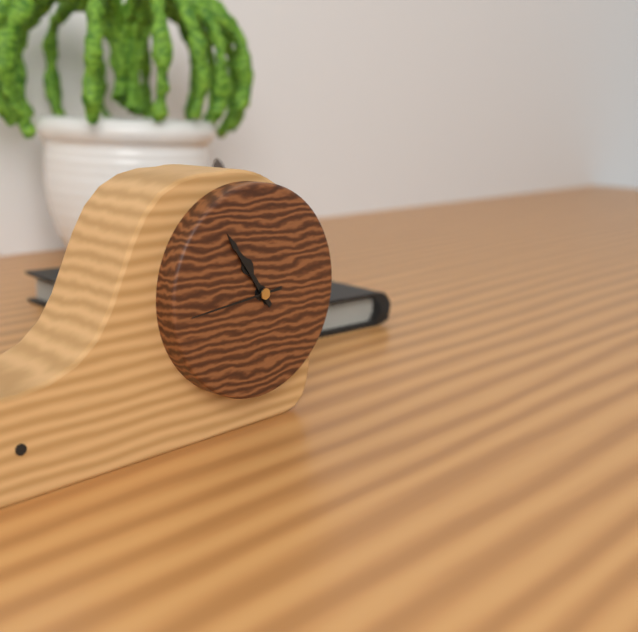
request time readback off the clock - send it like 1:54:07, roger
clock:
10:54:44
